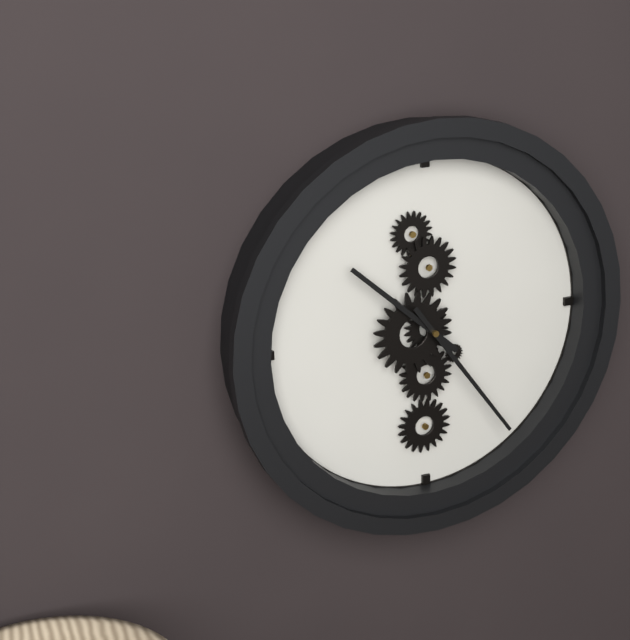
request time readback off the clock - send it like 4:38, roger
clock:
10:24
